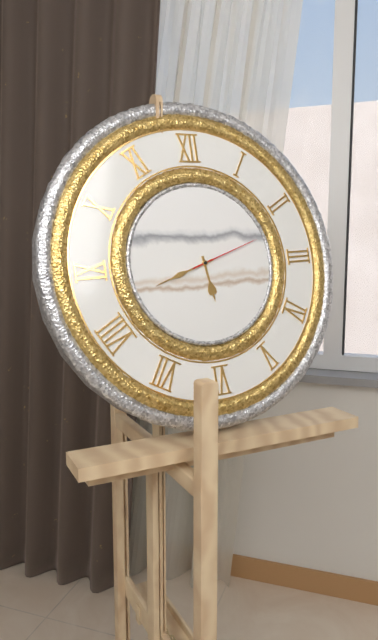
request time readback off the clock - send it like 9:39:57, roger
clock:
5:42:12
